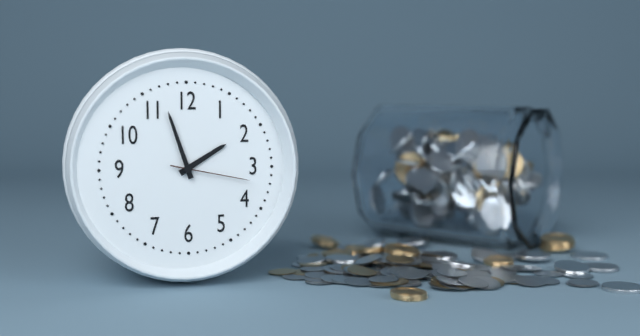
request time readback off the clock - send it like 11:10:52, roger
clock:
1:57:17
